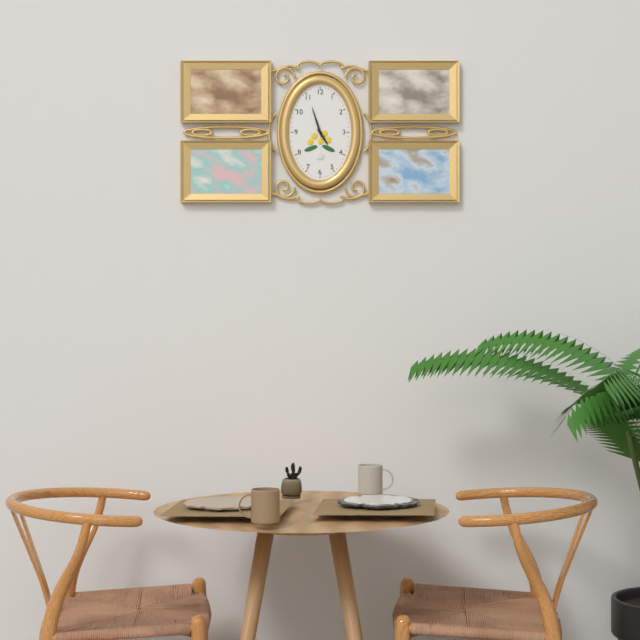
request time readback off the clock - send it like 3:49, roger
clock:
4:57
